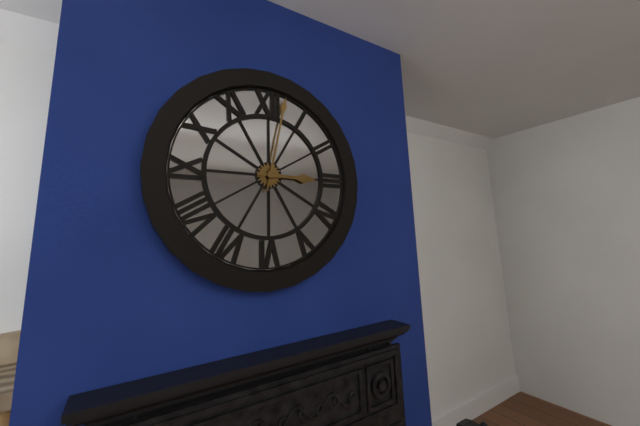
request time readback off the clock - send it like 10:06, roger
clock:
3:02
